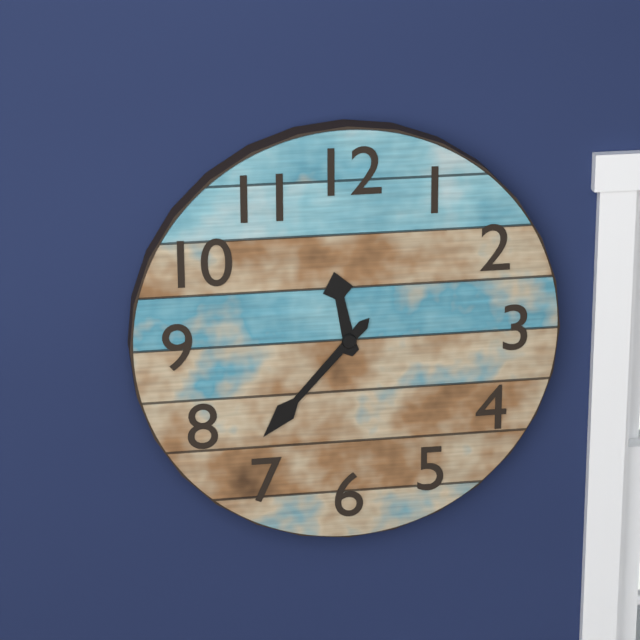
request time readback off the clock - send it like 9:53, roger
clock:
11:37
